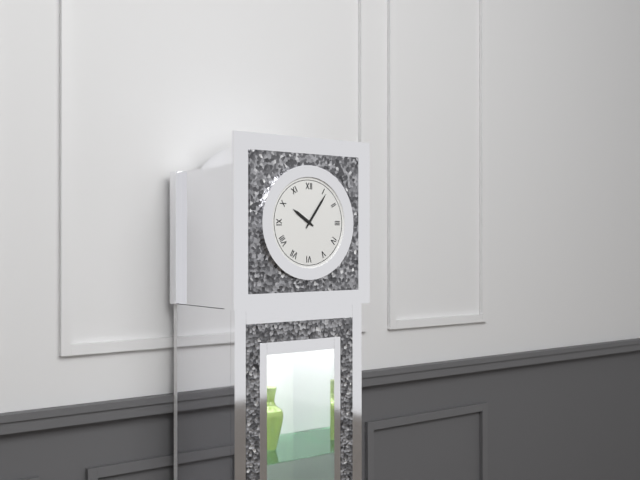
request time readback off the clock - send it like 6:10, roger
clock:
10:06
